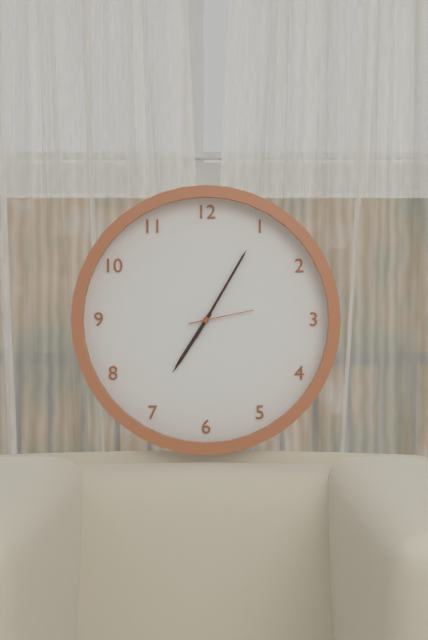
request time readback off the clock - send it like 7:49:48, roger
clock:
7:05:13
